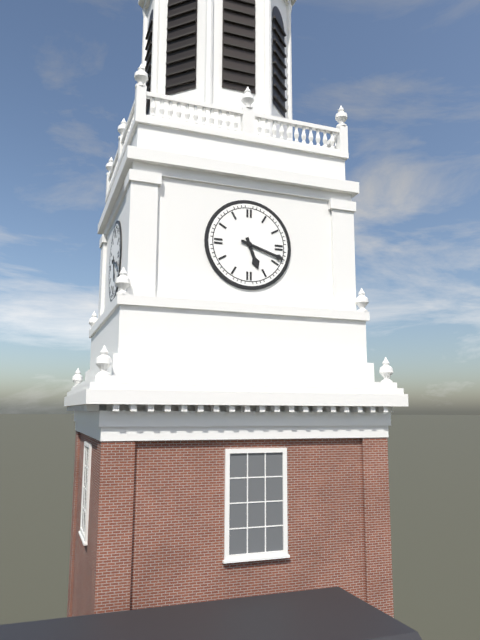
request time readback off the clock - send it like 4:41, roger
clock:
5:18
